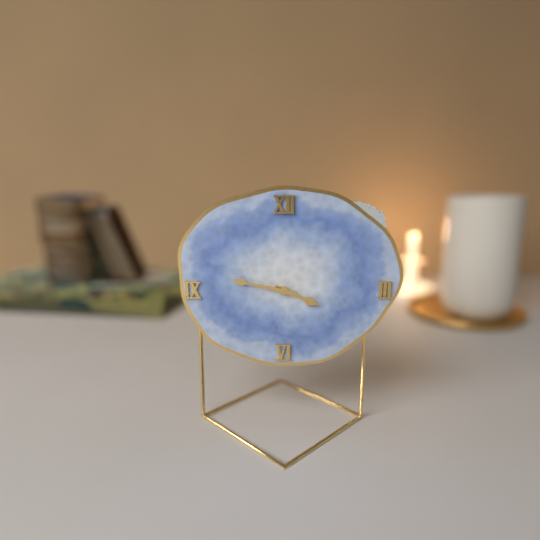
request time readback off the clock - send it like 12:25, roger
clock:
3:47
